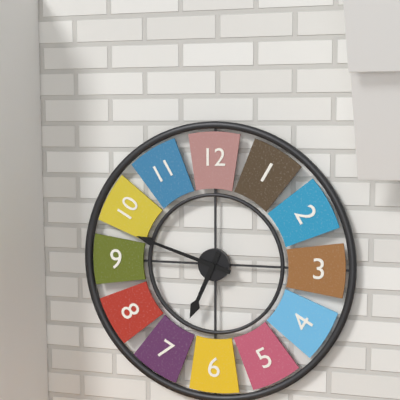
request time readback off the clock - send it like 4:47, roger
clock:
6:48
